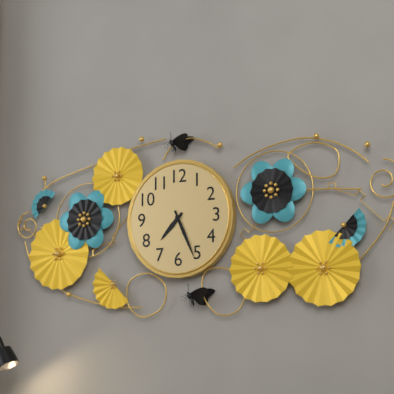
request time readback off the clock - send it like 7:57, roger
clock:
7:26
